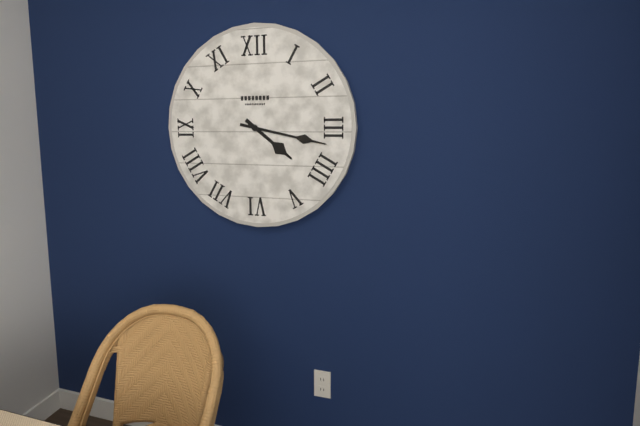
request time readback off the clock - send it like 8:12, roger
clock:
4:17
